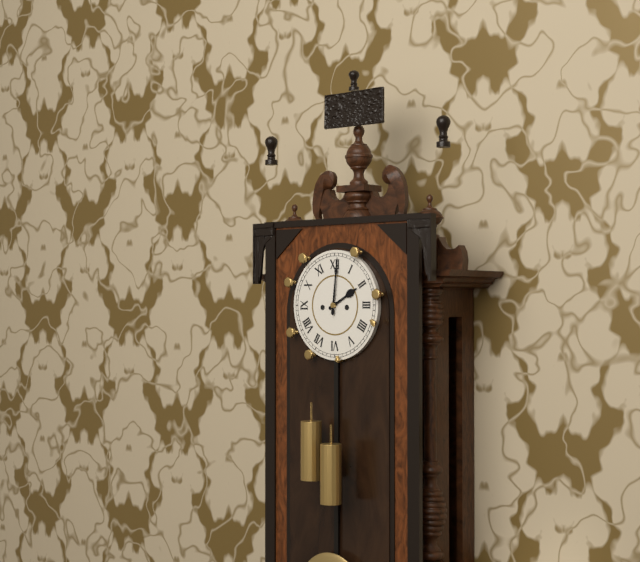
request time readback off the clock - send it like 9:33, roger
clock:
2:01
